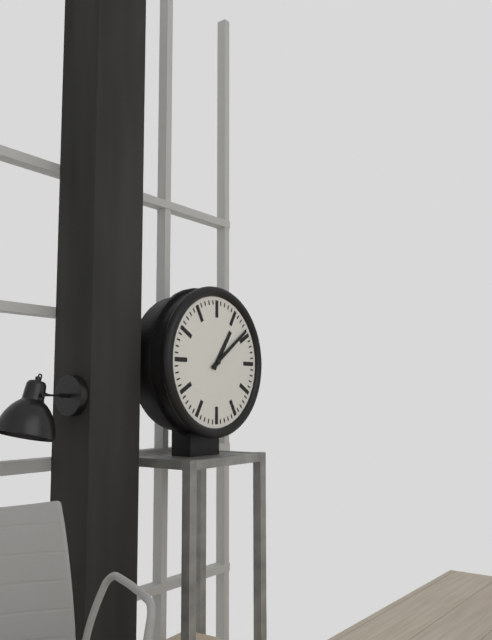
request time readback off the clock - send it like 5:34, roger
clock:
1:09
